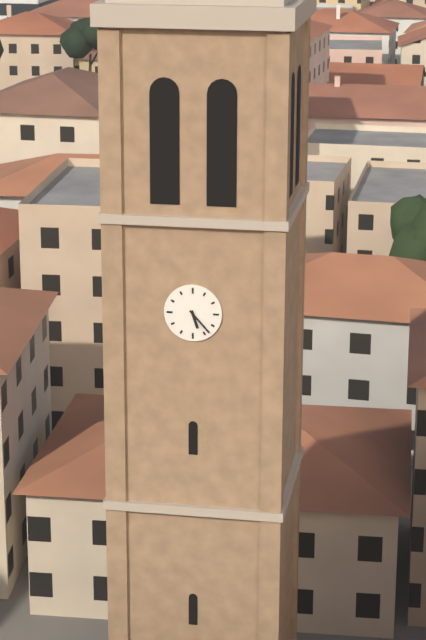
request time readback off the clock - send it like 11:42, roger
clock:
5:23
